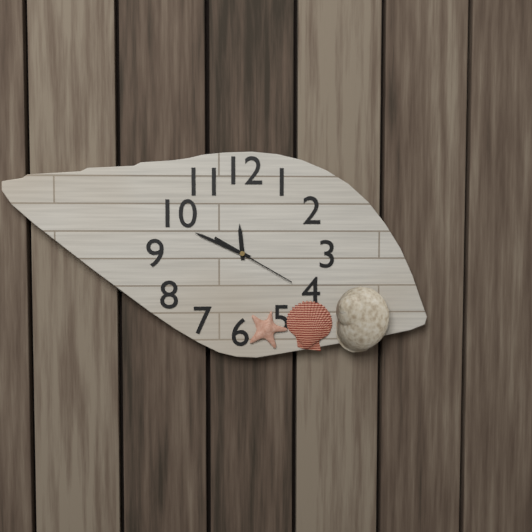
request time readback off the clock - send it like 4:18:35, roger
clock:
11:49:20
